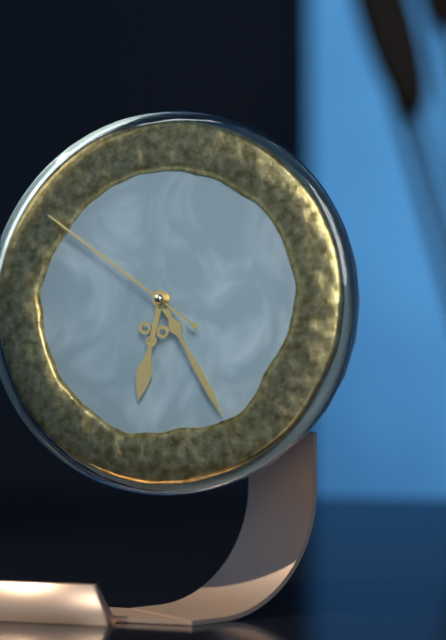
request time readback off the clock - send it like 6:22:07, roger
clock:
6:25:51
